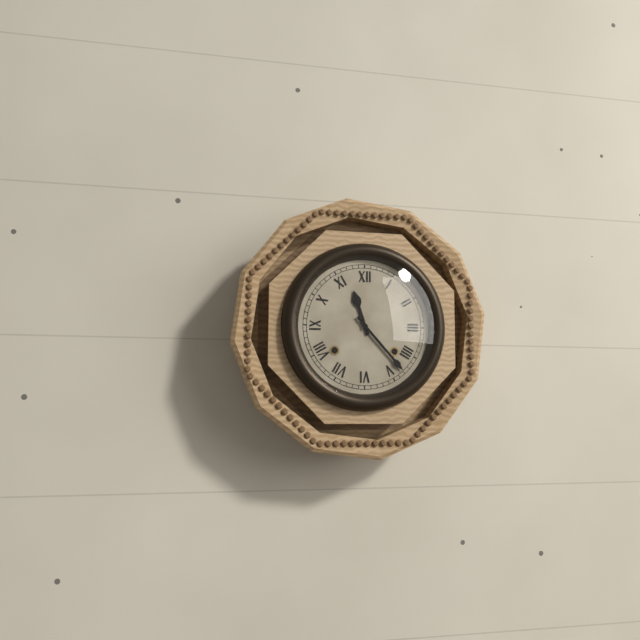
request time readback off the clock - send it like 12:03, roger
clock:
11:23
